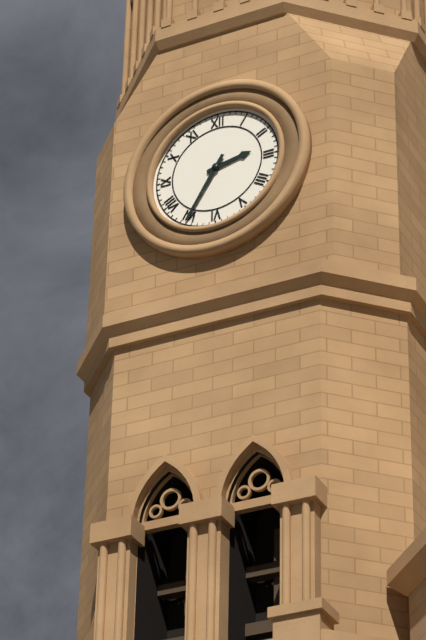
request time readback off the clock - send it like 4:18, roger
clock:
2:35
